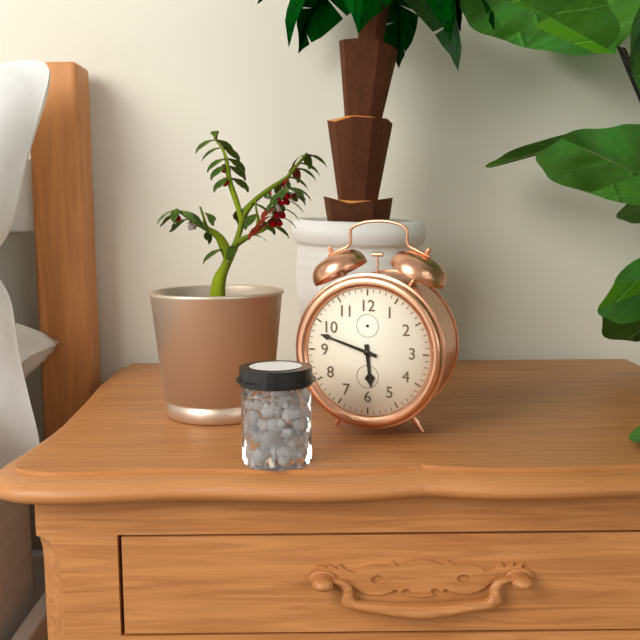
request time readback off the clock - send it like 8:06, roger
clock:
5:48
